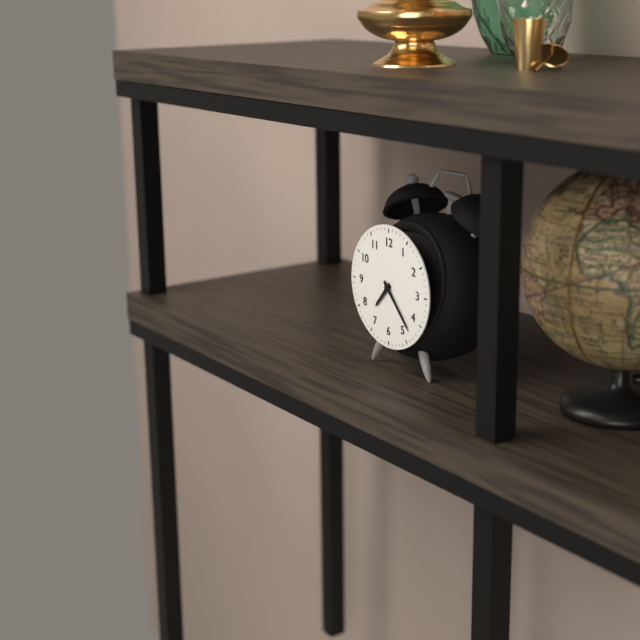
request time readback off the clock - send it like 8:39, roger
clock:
7:23
